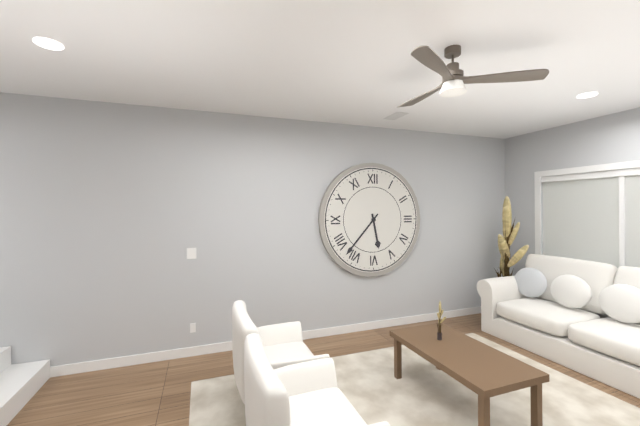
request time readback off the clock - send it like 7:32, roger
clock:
5:37
